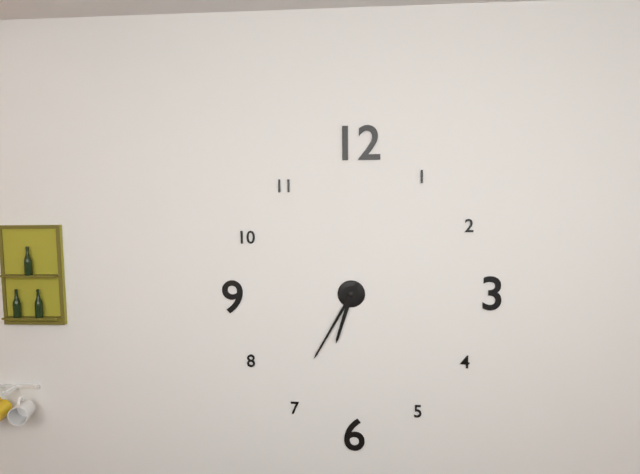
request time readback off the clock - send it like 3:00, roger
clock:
6:35
